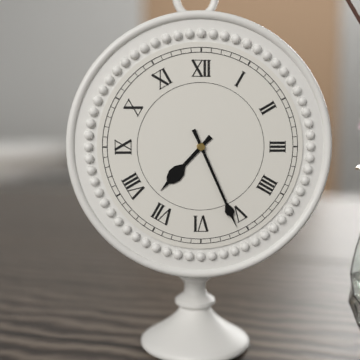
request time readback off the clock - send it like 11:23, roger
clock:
7:26
